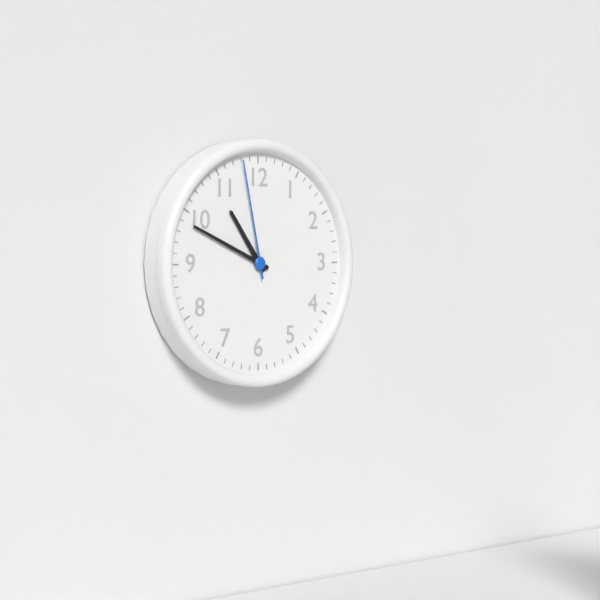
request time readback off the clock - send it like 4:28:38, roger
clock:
10:49:58
